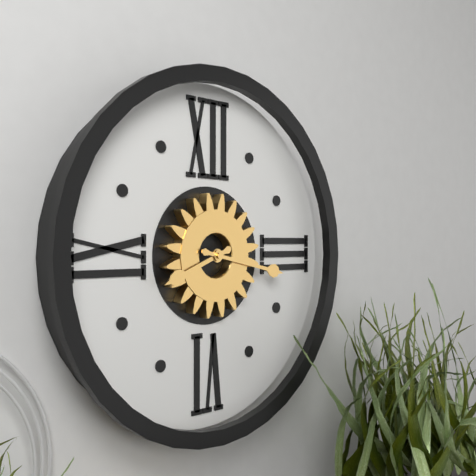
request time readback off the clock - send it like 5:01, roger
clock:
8:17
